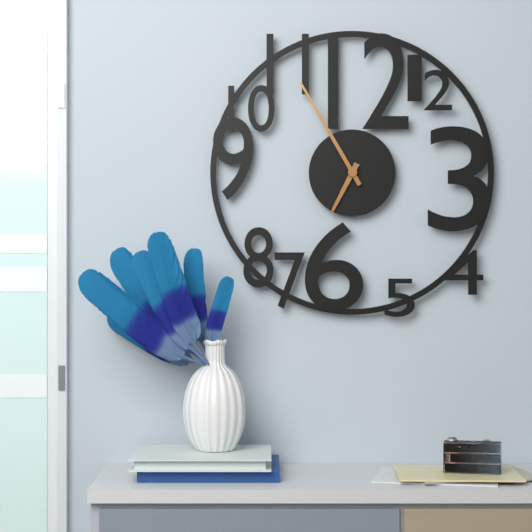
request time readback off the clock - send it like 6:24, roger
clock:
6:55
